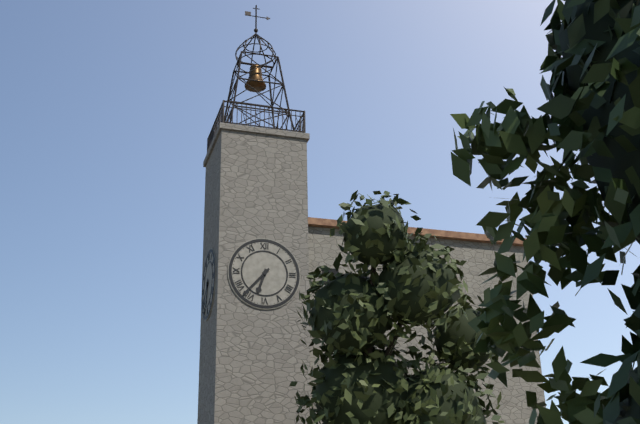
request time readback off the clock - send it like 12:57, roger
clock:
6:37
